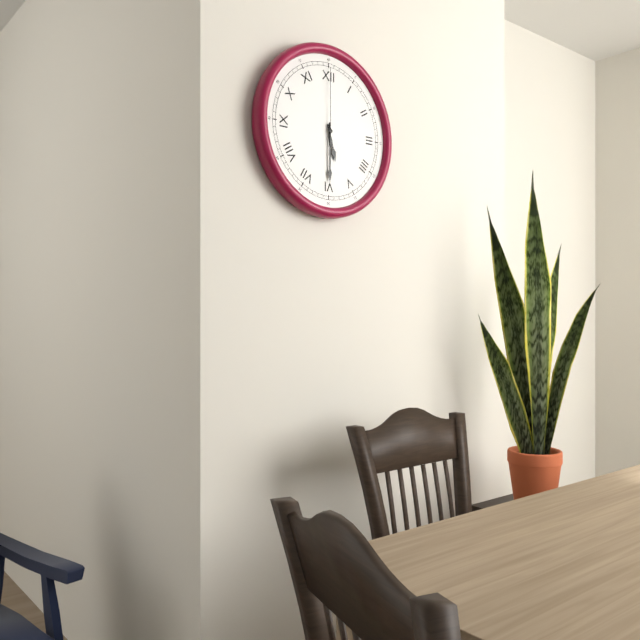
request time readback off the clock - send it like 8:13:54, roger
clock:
5:30:00
